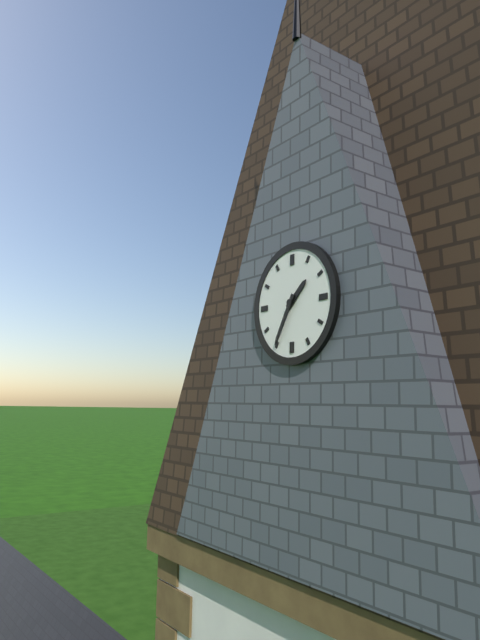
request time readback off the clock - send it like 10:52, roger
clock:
1:35
